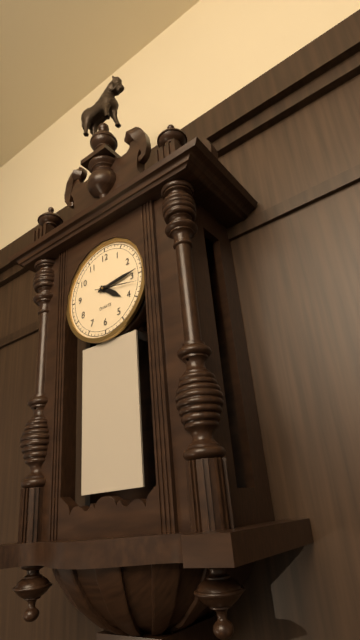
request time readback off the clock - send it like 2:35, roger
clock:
4:14
